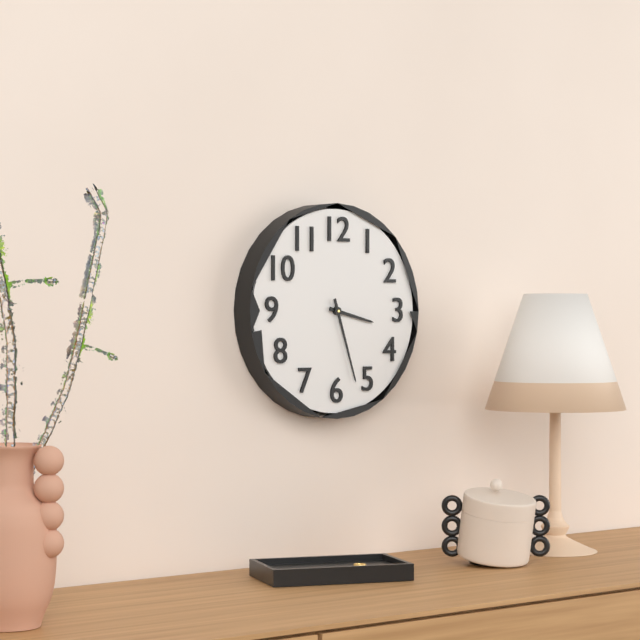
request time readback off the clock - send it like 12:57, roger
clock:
3:27
